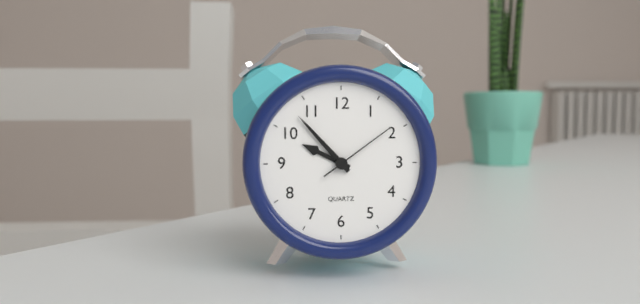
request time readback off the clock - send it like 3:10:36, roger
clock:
9:53:09
